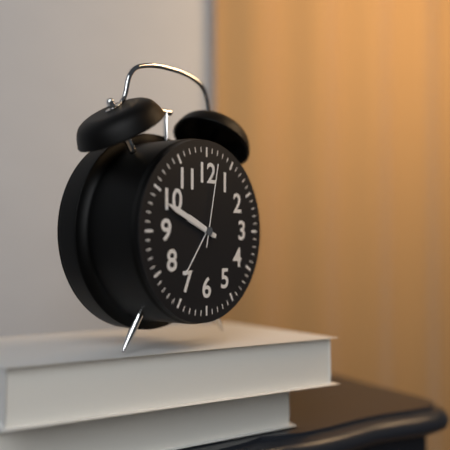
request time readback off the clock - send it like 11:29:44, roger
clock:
9:49:02
